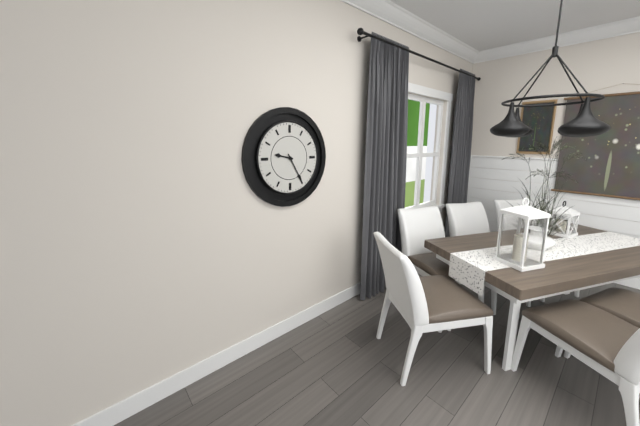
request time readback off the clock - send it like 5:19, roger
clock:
9:25
